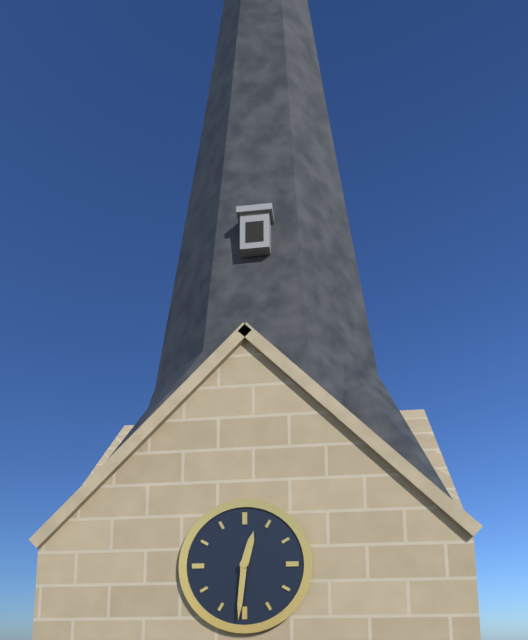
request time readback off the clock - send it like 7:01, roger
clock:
12:31
